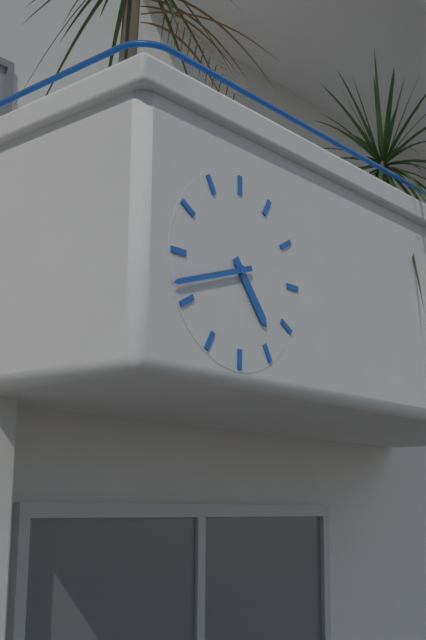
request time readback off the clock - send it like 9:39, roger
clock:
4:42
